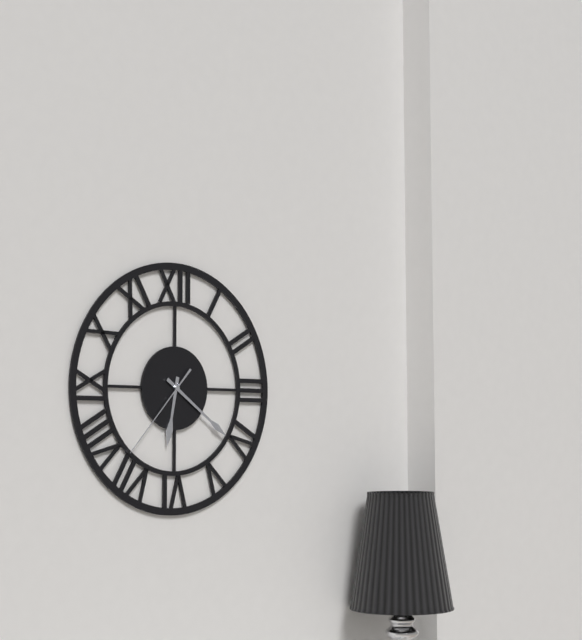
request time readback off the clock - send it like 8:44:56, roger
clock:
6:21:37
